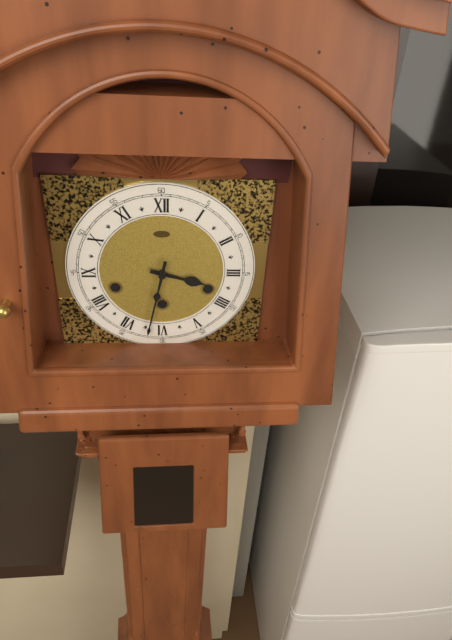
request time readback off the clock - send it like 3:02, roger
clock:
3:32
